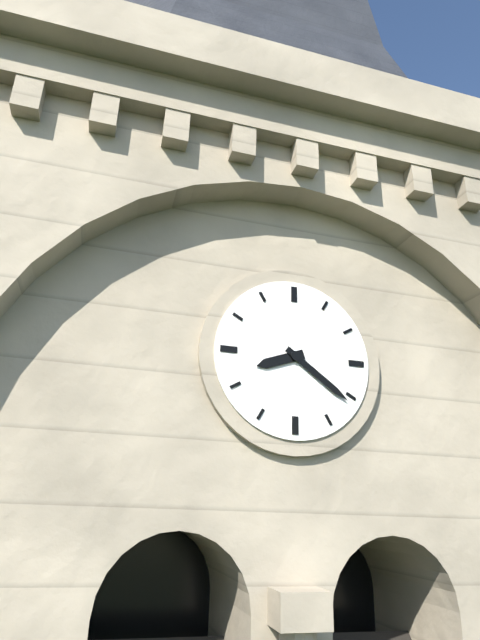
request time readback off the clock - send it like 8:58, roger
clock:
8:21
